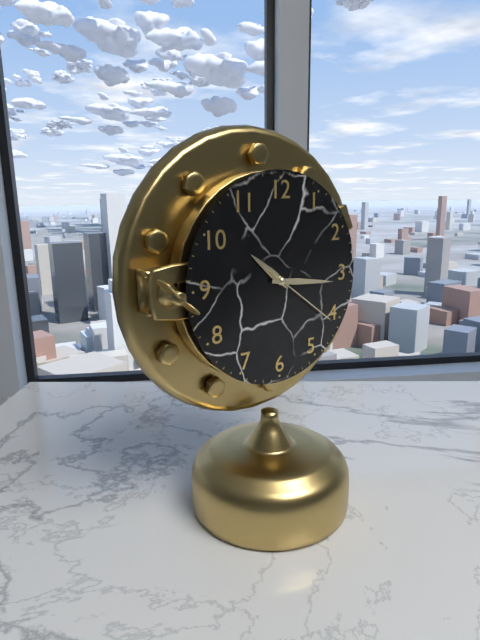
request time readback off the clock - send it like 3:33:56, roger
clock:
10:16:21
